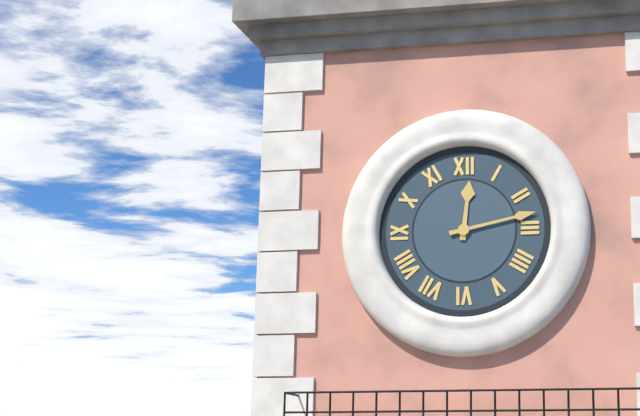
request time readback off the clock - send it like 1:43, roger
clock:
12:13
